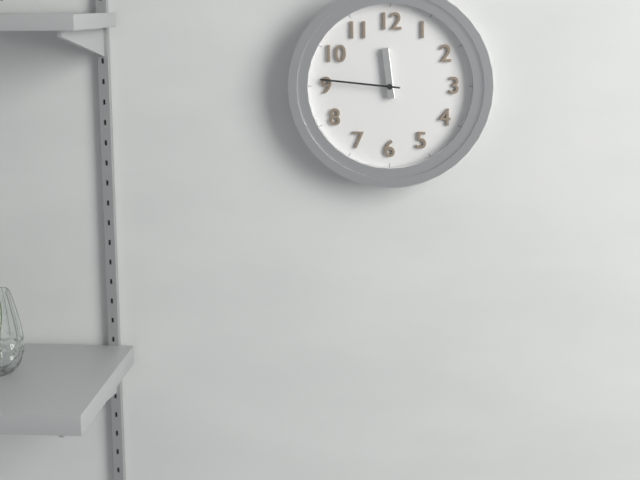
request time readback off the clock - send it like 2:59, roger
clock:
11:46
